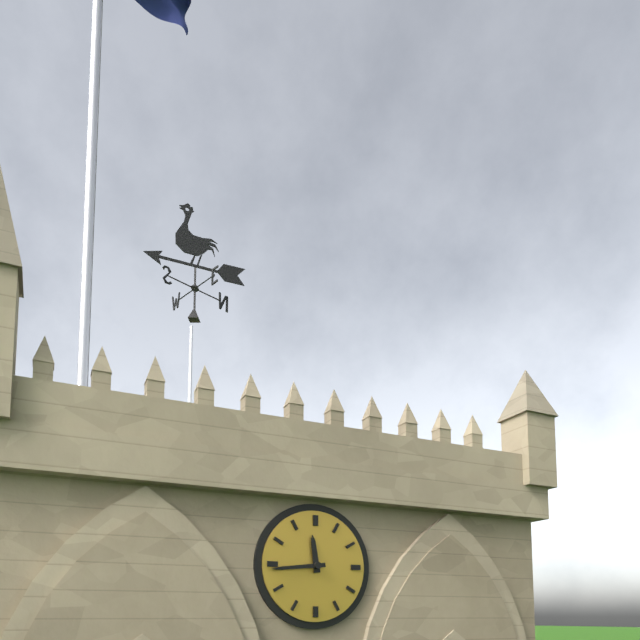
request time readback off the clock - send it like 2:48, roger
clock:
11:44
